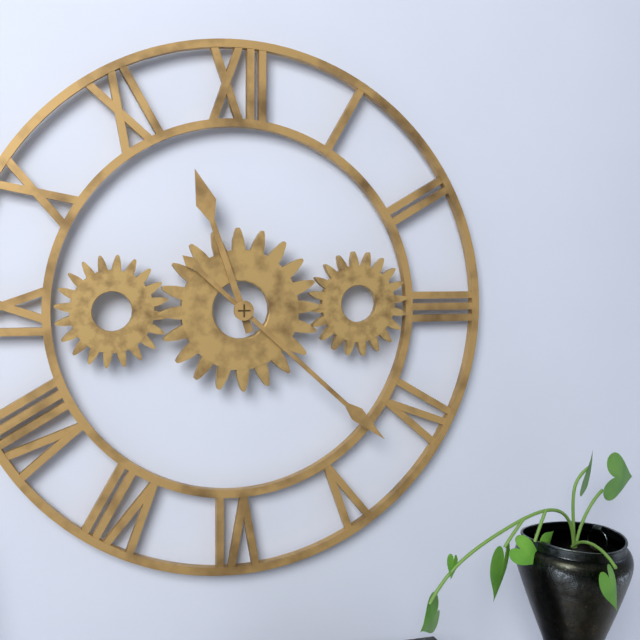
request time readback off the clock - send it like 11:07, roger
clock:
11:22
